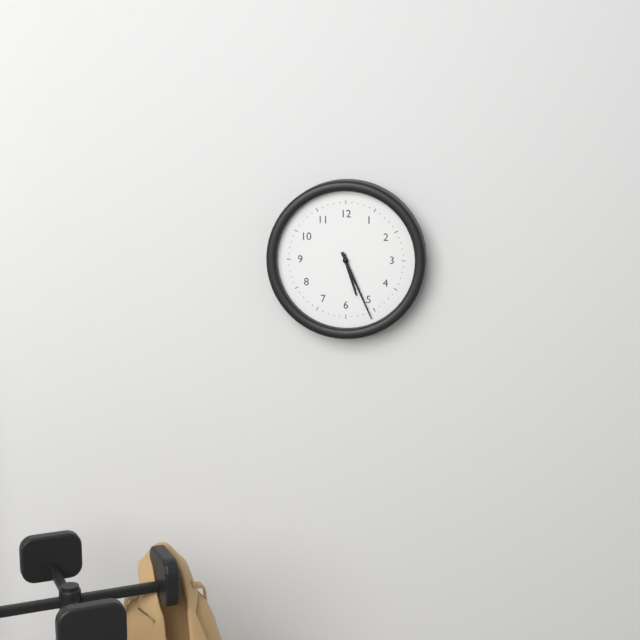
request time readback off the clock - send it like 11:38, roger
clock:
5:26
